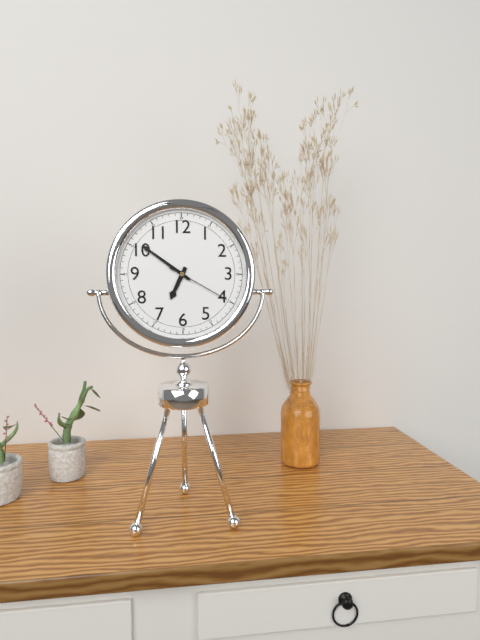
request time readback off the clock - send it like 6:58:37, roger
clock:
6:51:20
